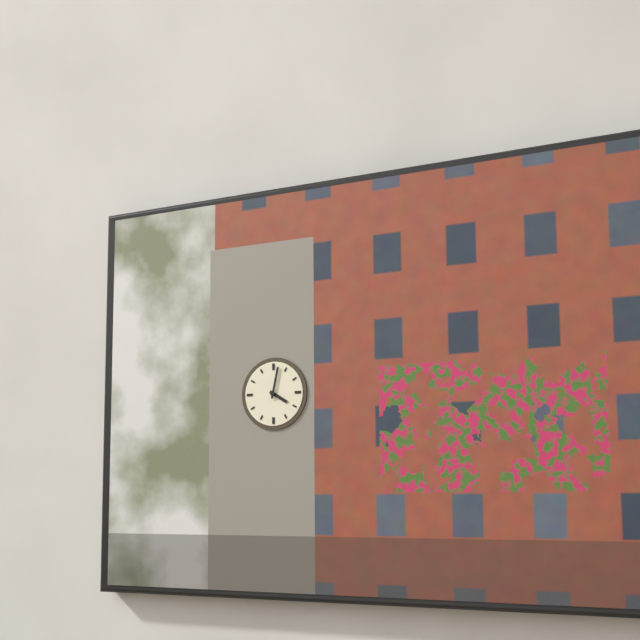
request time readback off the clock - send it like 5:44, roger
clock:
4:02
